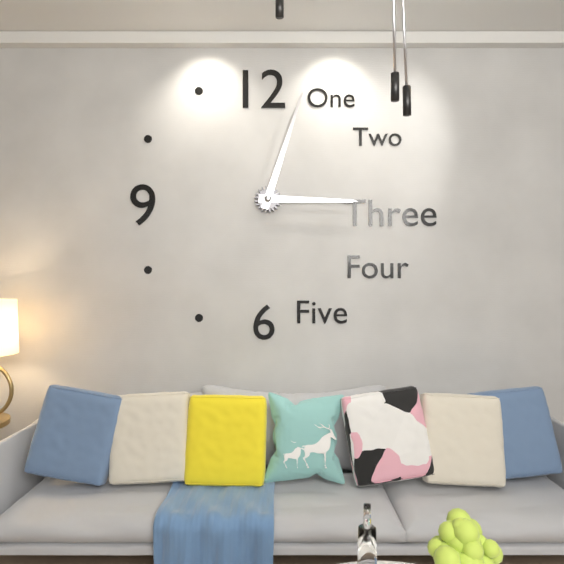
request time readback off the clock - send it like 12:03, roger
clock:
3:03
